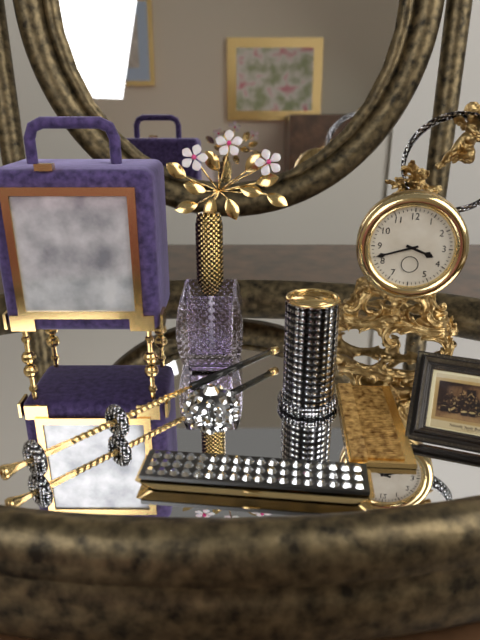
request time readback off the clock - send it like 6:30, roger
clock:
3:42
